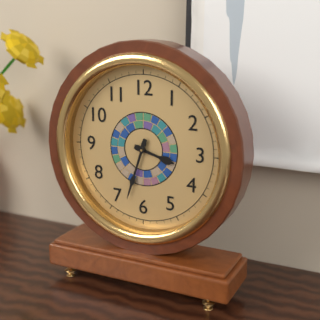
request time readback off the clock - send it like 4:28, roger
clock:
3:33
